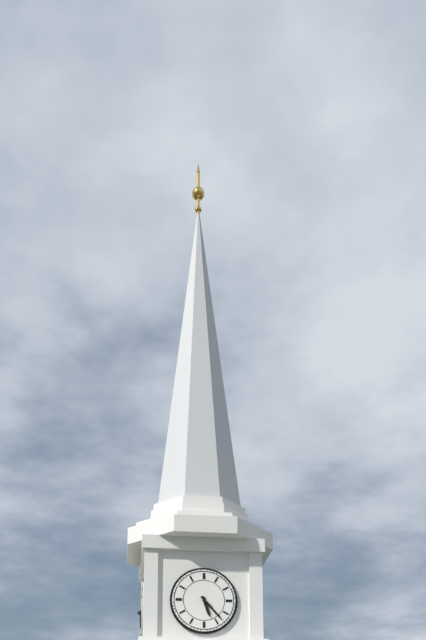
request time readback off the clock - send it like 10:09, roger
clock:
5:23
